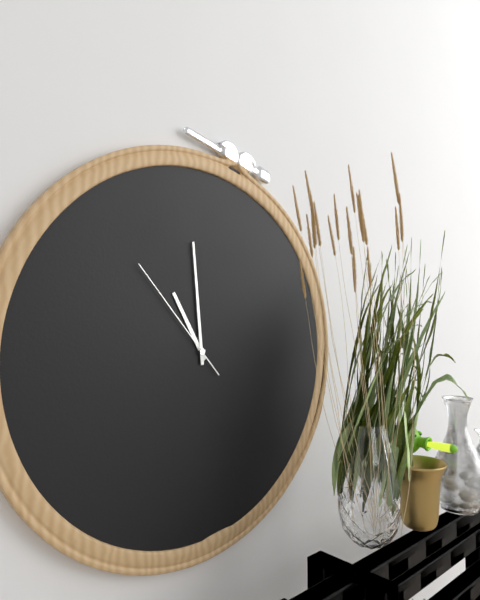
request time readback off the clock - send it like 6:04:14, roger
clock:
10:59:53
